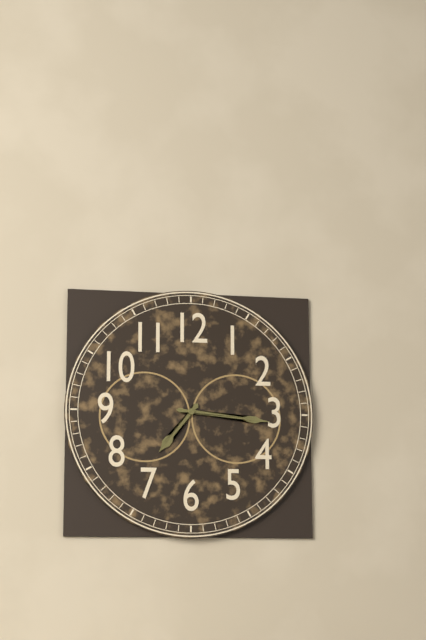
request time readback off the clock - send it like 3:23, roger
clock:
7:16
